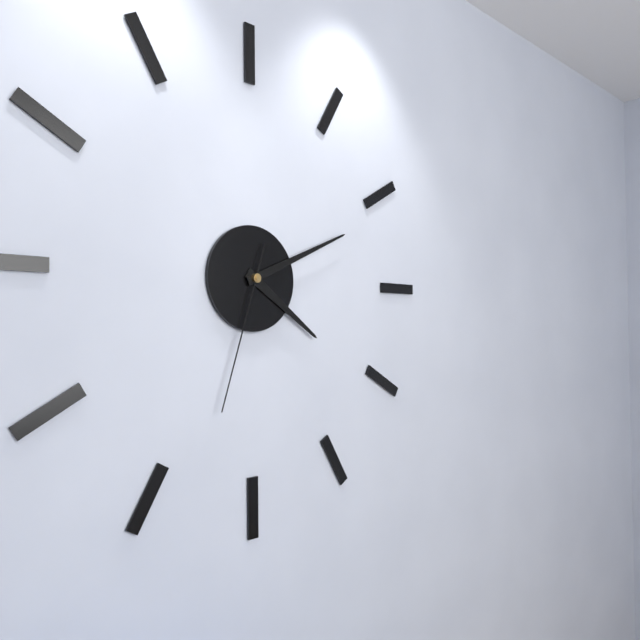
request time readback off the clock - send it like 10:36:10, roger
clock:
4:11:33
